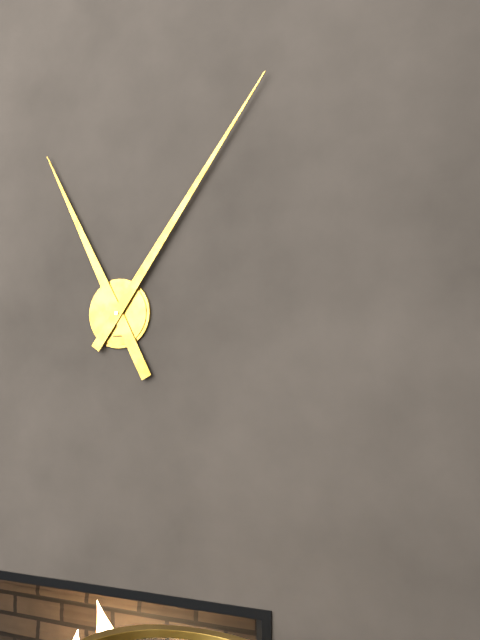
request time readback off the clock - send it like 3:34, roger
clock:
11:06
